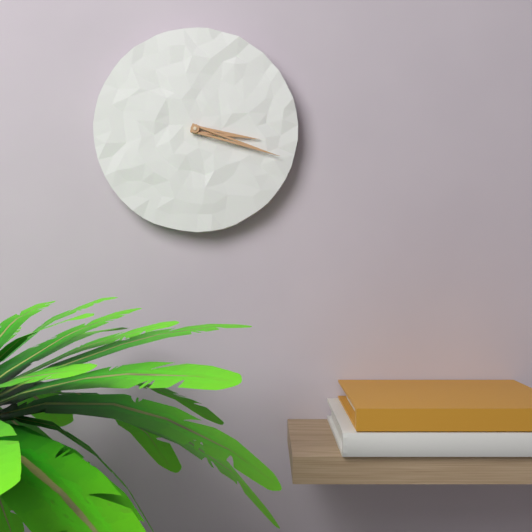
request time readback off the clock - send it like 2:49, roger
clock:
3:18
